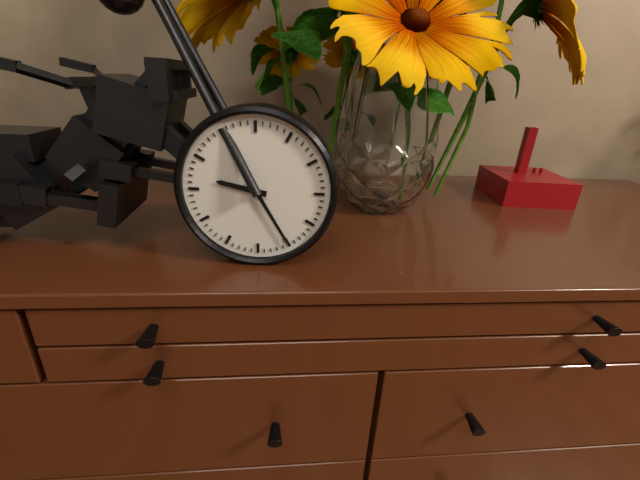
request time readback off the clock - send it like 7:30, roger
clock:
9:25
